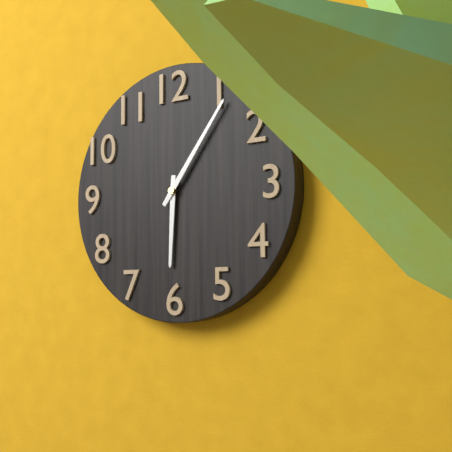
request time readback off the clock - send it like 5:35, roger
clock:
6:06
